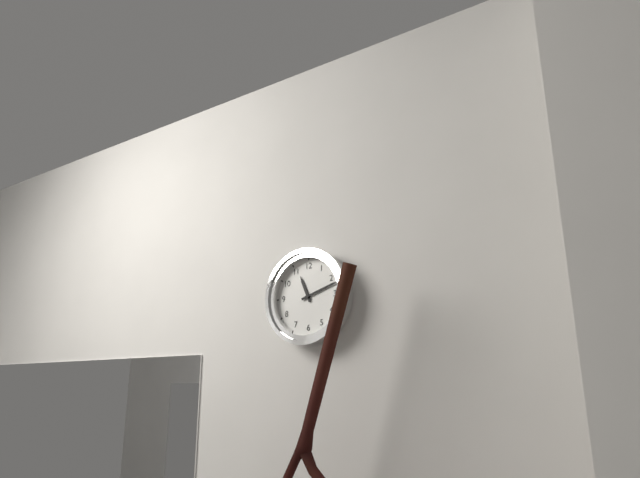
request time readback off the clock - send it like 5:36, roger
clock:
11:12
